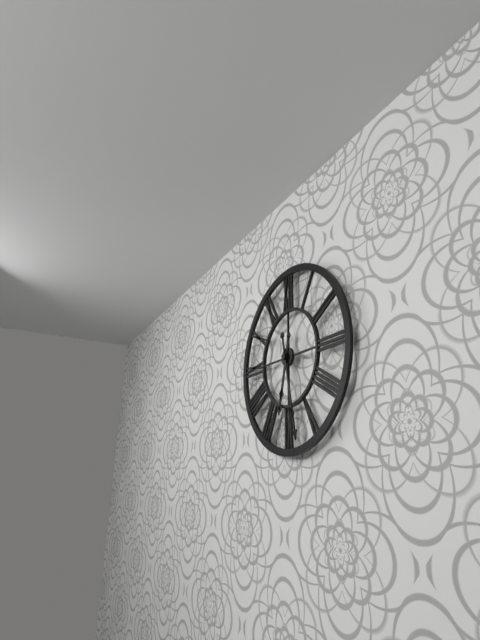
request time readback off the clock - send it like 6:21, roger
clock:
6:28
